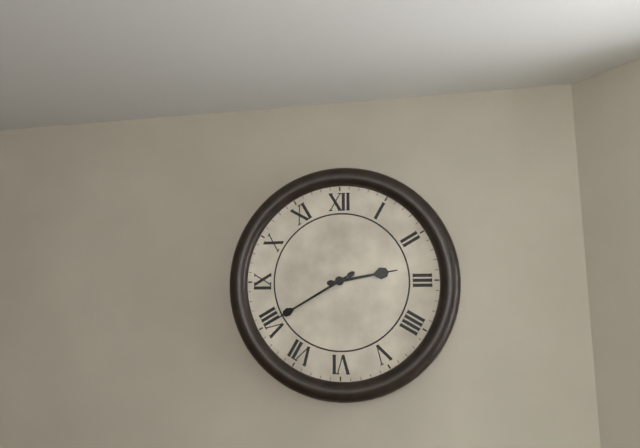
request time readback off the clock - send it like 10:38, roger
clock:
2:40
